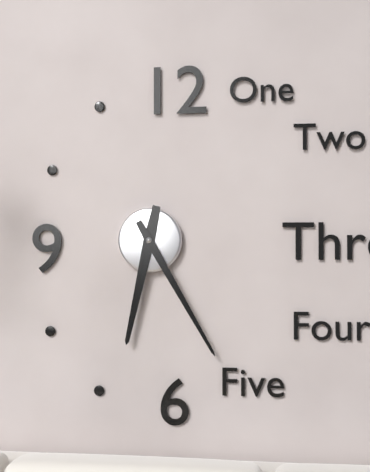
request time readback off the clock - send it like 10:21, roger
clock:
6:25
